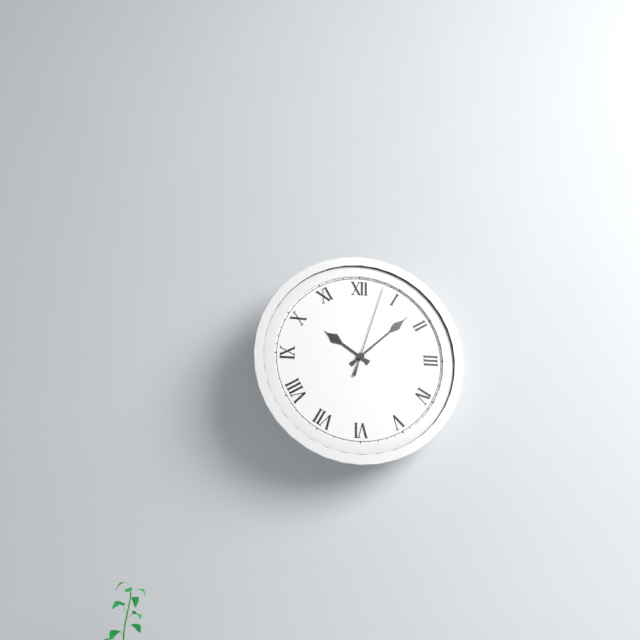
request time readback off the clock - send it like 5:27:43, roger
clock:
10:08:03
